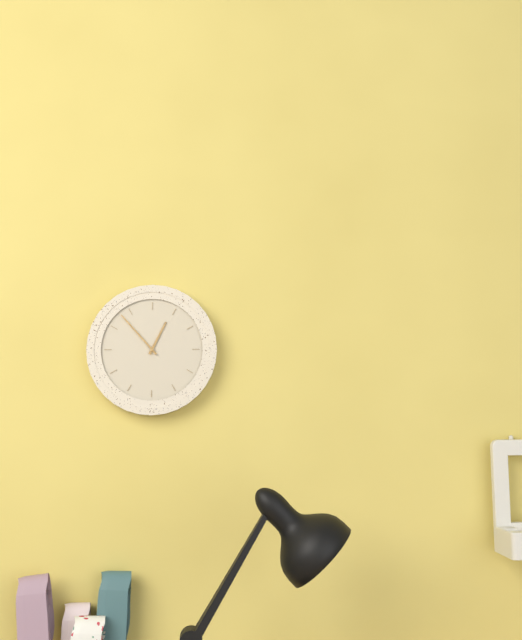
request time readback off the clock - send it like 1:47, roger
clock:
12:53
